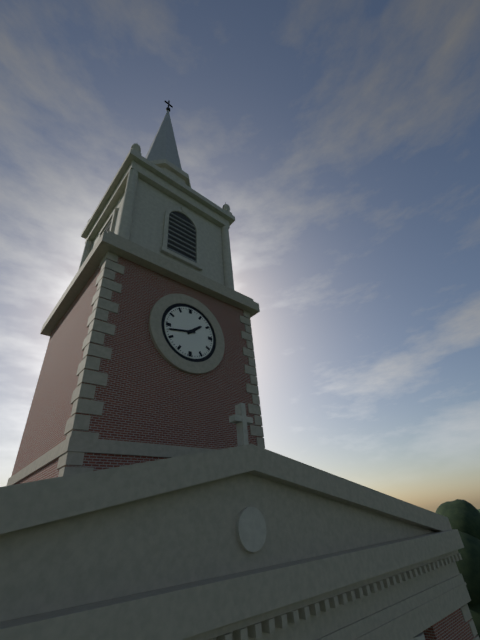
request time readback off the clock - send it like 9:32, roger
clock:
1:43
